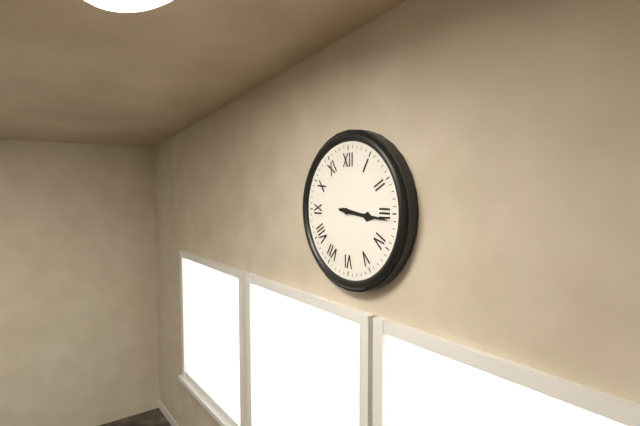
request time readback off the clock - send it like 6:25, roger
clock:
3:16
